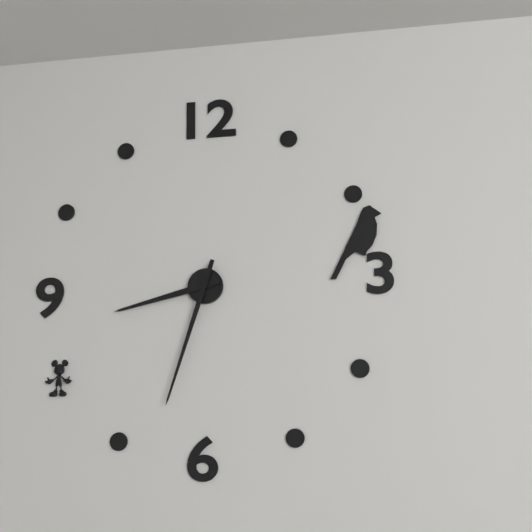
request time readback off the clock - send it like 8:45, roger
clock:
8:33
